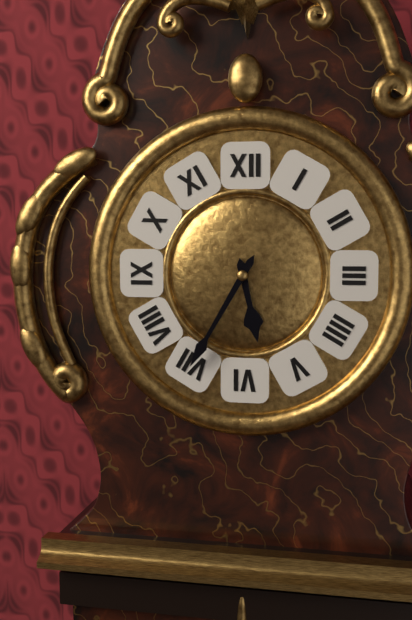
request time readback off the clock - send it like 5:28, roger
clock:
5:35
